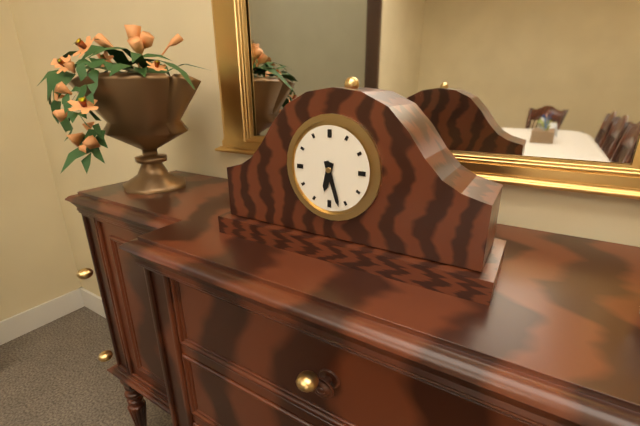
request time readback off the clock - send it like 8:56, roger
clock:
6:27
